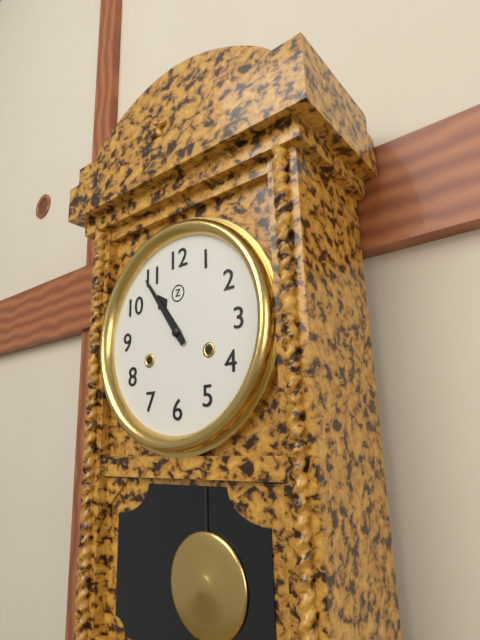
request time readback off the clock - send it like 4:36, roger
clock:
10:54
